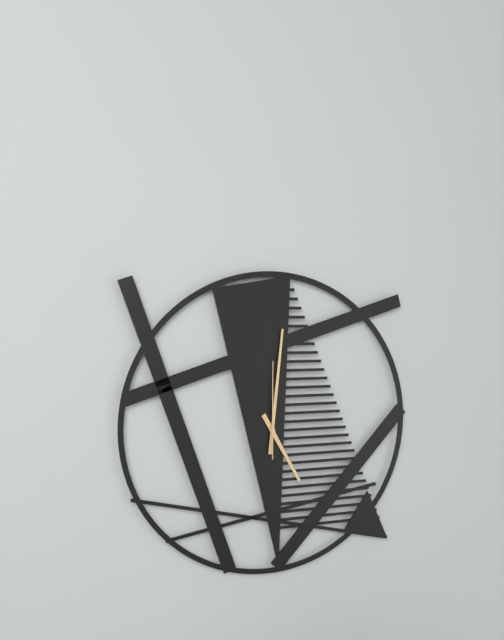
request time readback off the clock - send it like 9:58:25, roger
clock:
5:01:00
